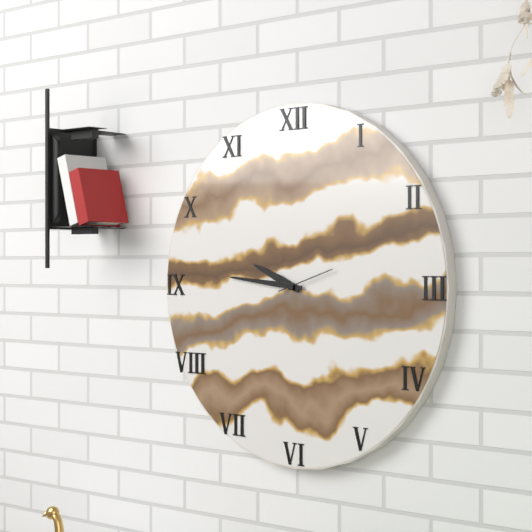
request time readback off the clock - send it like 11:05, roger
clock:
9:46
